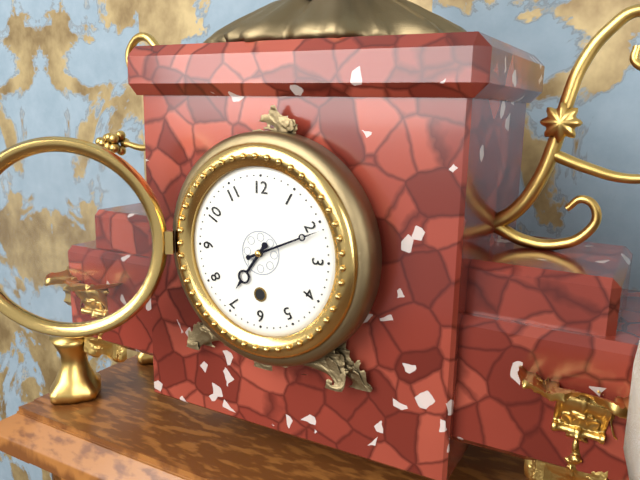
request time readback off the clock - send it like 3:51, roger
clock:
7:11
